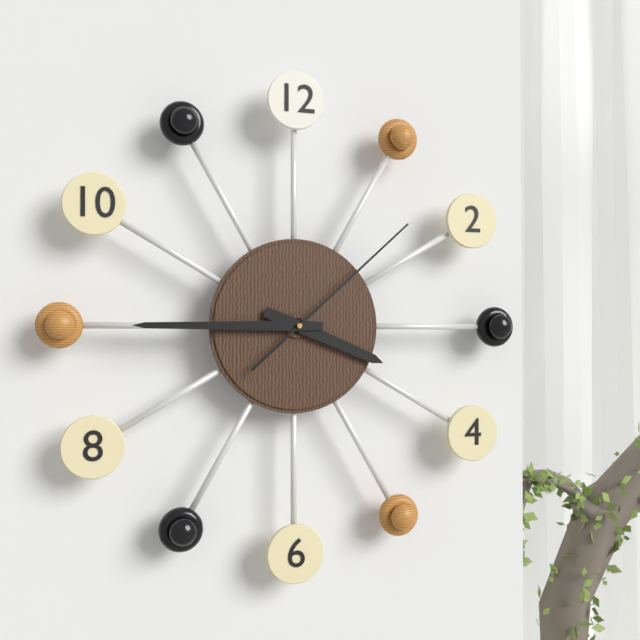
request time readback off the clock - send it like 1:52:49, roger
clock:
3:45:08
